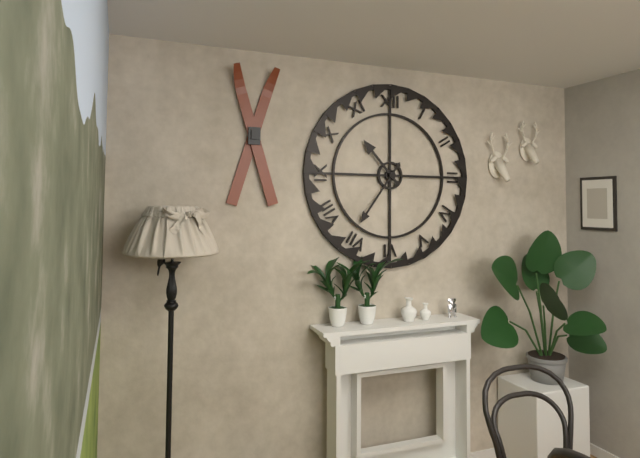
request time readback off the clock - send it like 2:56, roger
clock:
10:36
